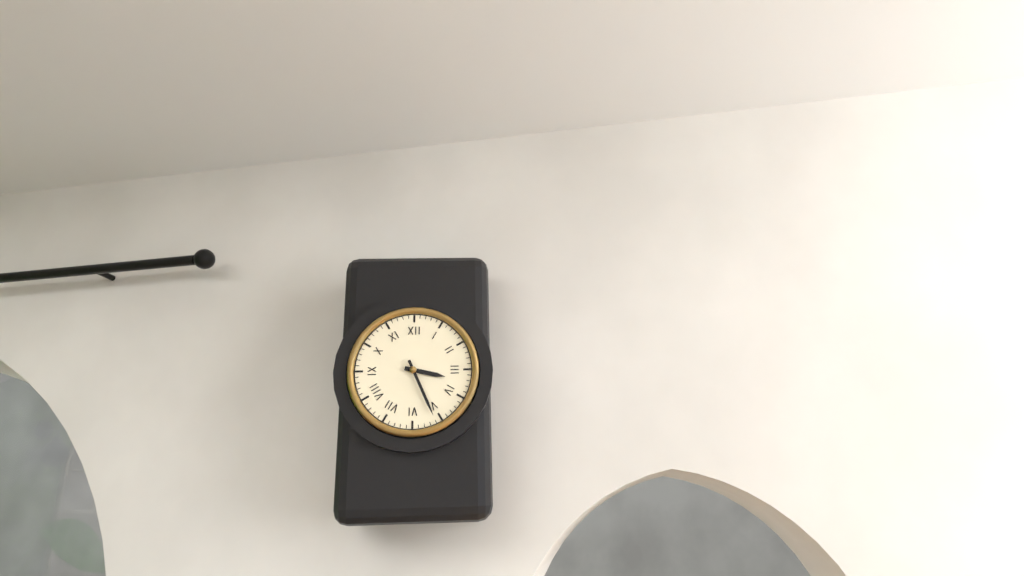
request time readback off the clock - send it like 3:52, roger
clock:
3:26
